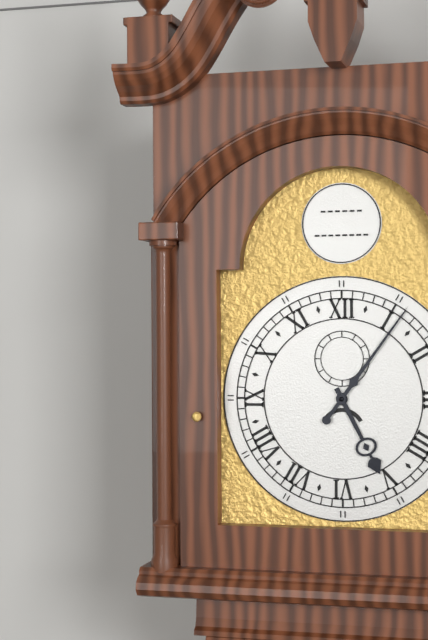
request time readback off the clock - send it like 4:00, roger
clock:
5:06
